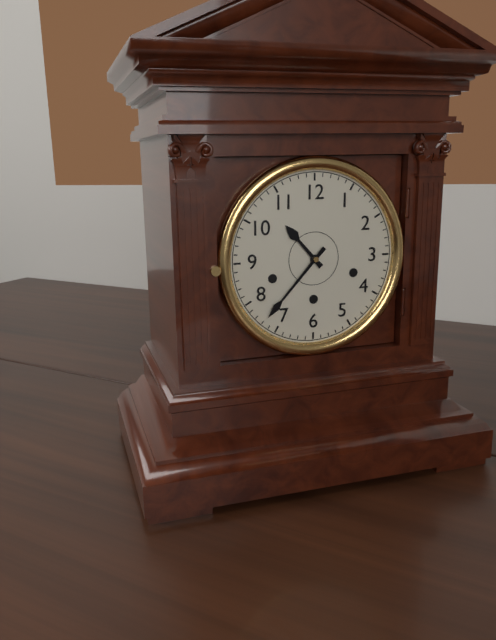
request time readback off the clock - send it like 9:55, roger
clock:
10:37
